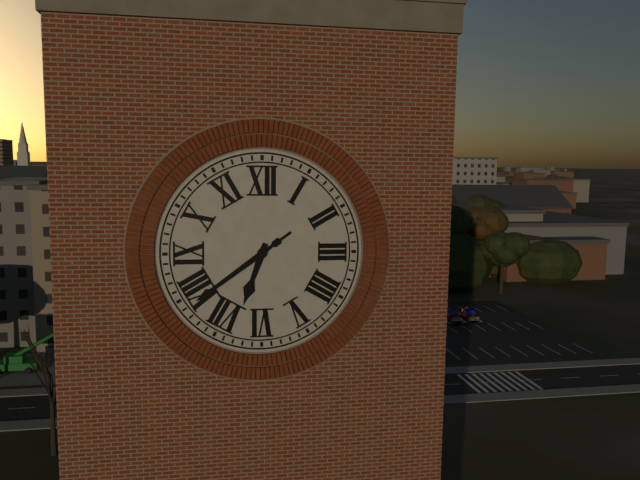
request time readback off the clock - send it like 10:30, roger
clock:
6:39
